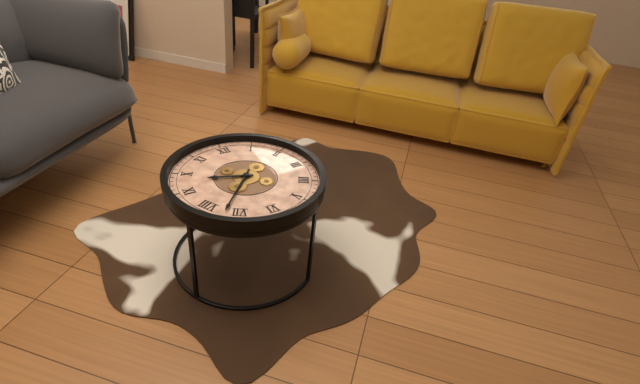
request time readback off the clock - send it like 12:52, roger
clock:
9:37
